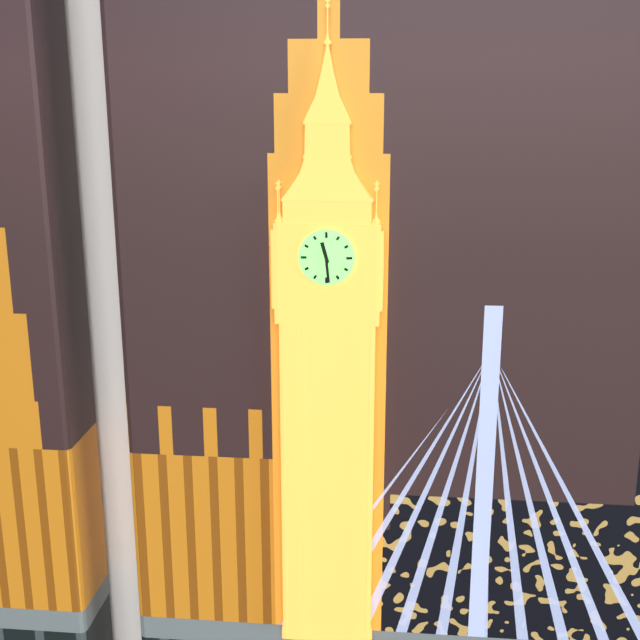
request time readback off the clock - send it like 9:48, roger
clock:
11:29
